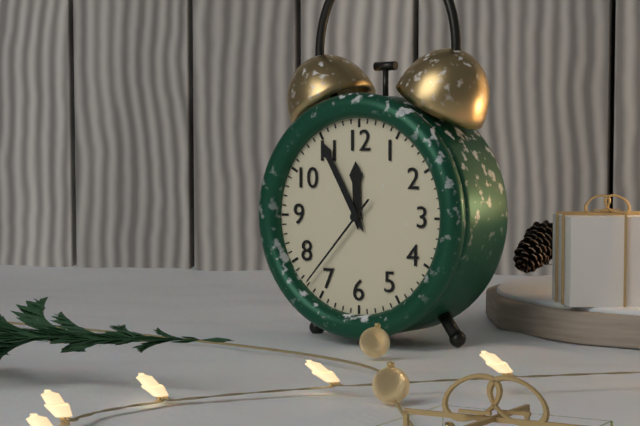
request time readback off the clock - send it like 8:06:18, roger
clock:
11:55:37
